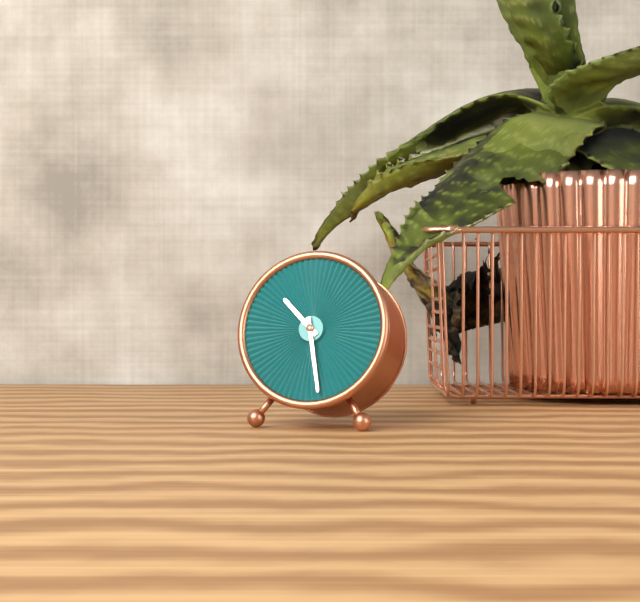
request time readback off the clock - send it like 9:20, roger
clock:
10:28
